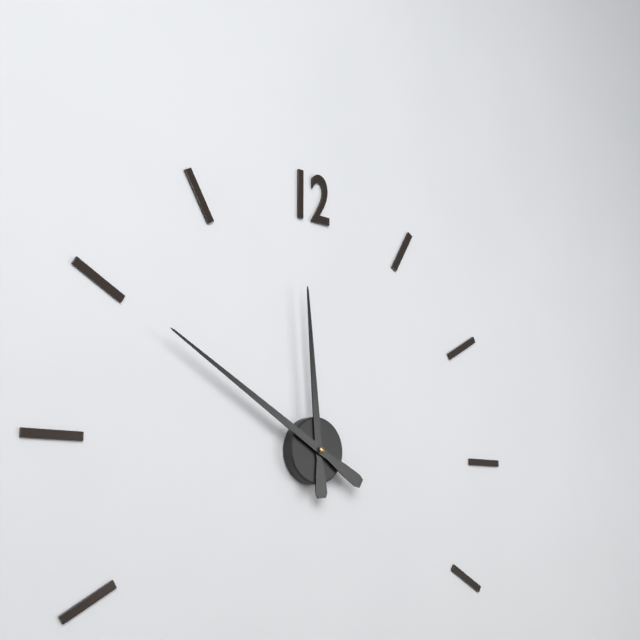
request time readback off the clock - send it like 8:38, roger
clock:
11:50
